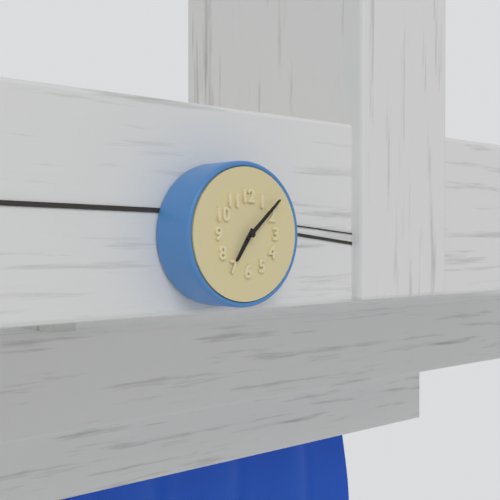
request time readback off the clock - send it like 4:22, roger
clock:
7:08
